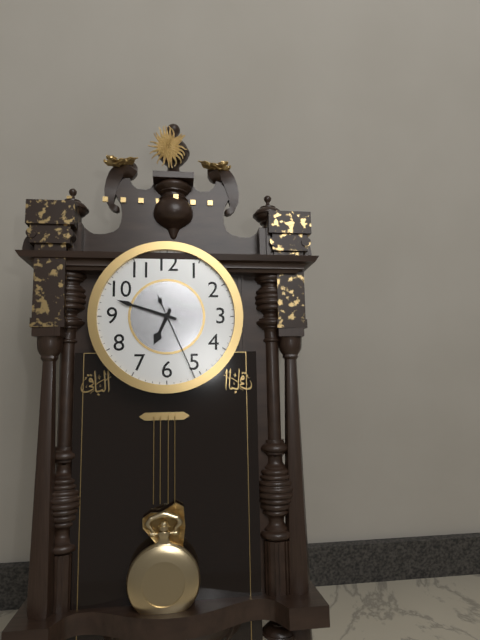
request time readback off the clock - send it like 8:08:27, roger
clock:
6:48:26
